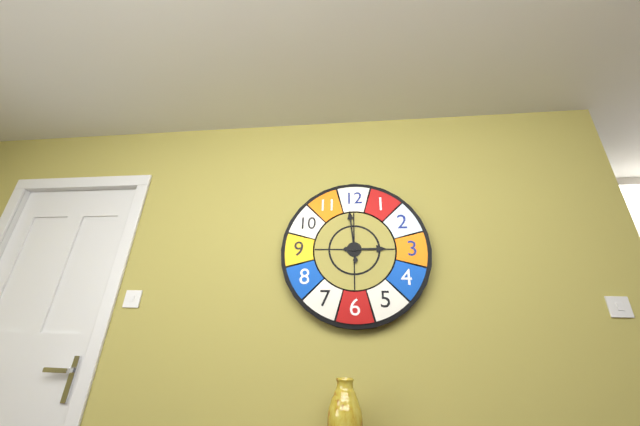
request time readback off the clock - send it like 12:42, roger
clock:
2:59
